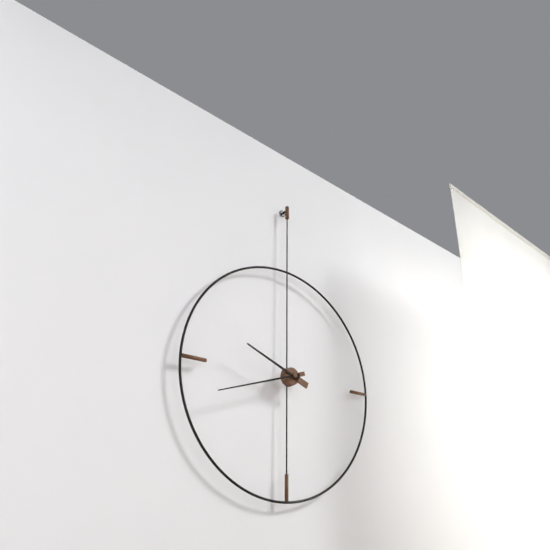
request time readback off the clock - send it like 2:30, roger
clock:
9:42
